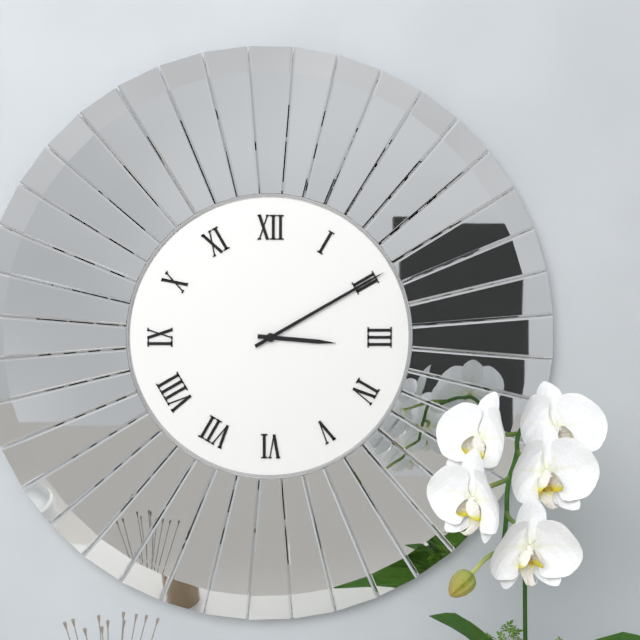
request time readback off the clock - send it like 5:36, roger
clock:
3:10
